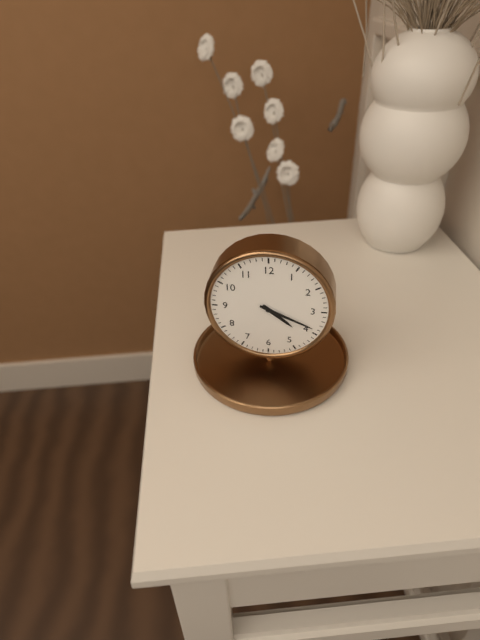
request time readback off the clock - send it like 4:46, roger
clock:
4:19
